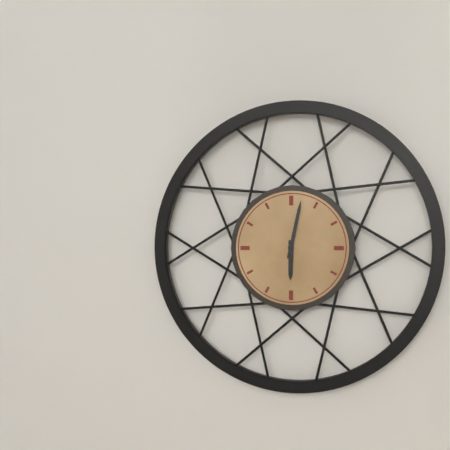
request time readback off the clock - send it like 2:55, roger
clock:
6:02
